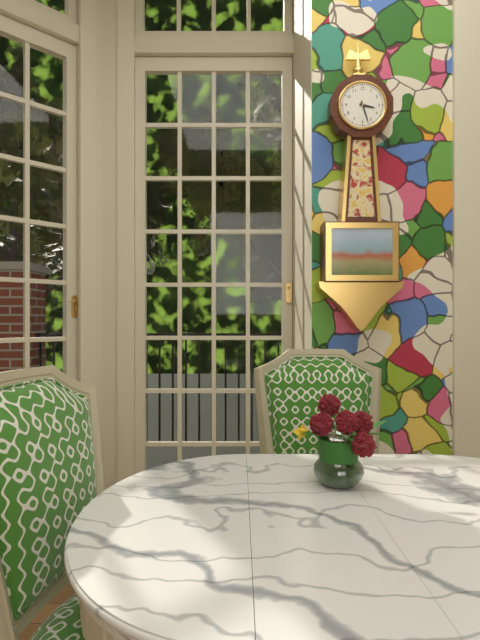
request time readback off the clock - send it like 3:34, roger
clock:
3:27
